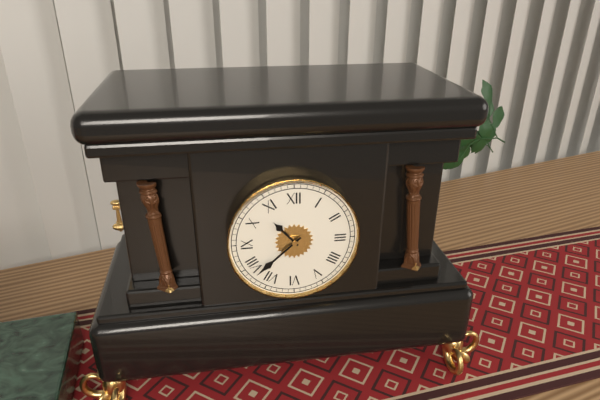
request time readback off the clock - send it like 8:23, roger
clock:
10:38
